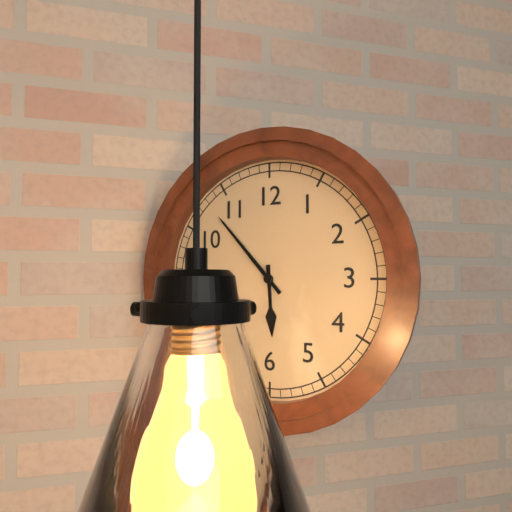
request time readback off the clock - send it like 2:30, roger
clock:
5:53
